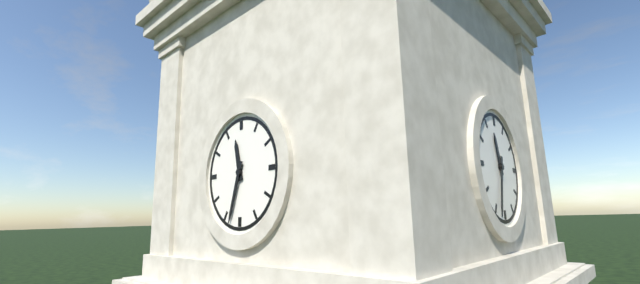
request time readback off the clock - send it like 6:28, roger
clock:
11:33
